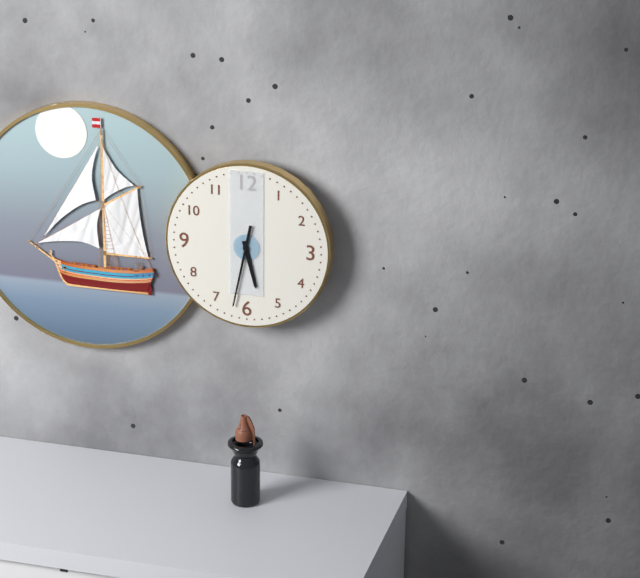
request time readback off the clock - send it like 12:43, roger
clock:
5:32
